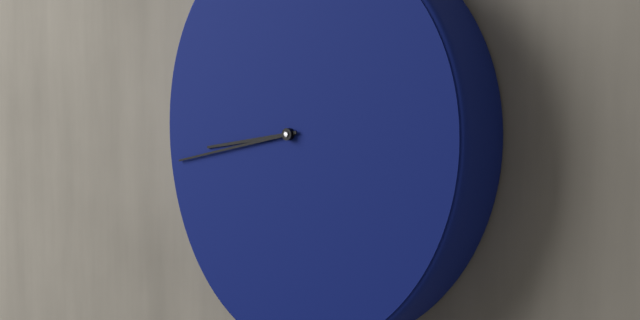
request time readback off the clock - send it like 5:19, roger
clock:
8:43
